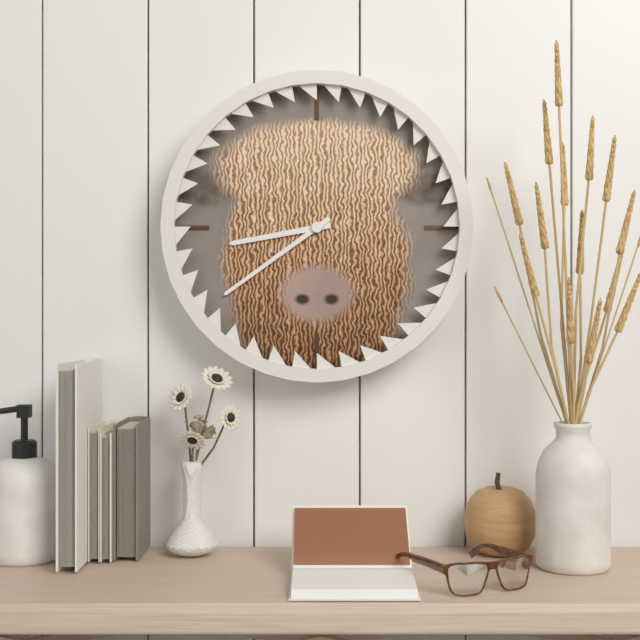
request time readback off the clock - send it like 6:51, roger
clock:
8:39
